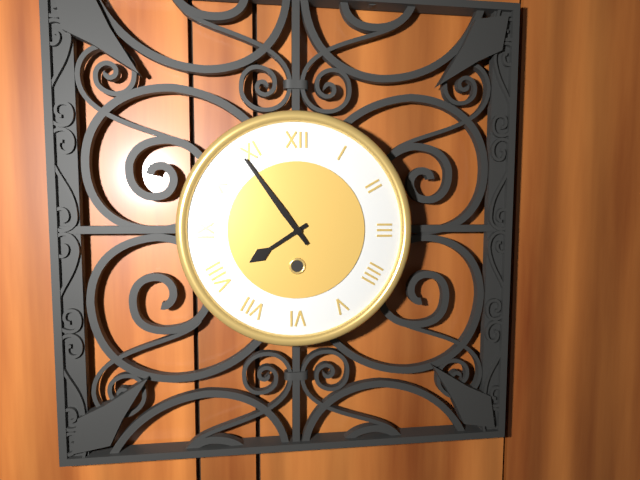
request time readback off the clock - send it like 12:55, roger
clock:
7:54
